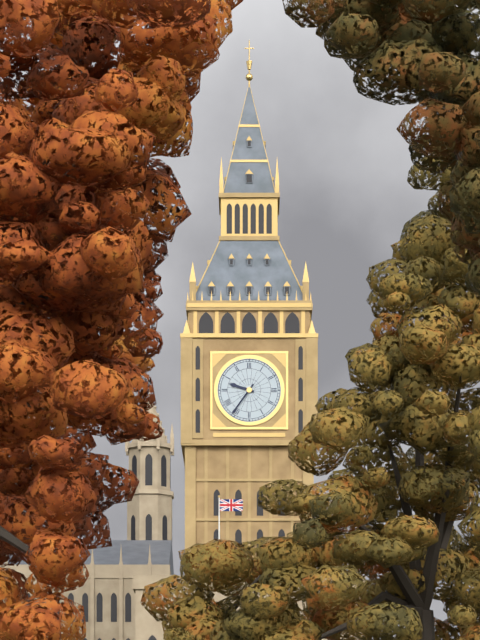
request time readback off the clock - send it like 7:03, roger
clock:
9:36
